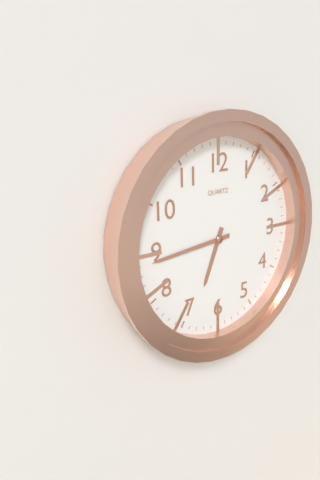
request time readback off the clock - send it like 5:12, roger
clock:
6:44
